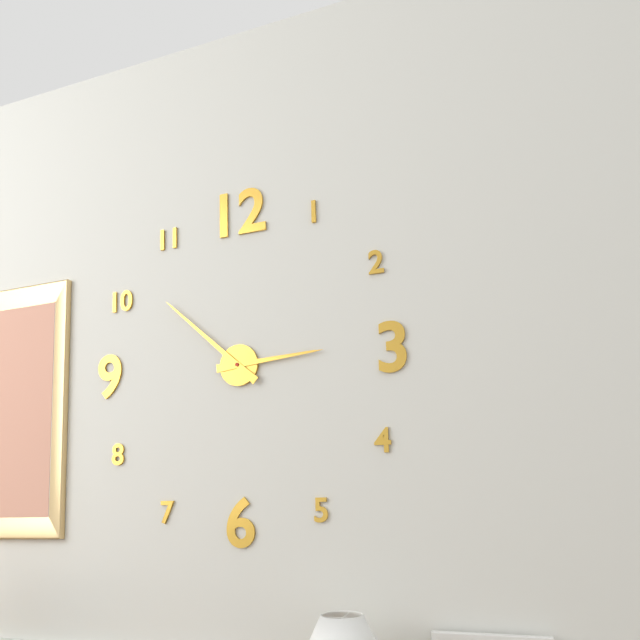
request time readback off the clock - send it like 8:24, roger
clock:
2:52
